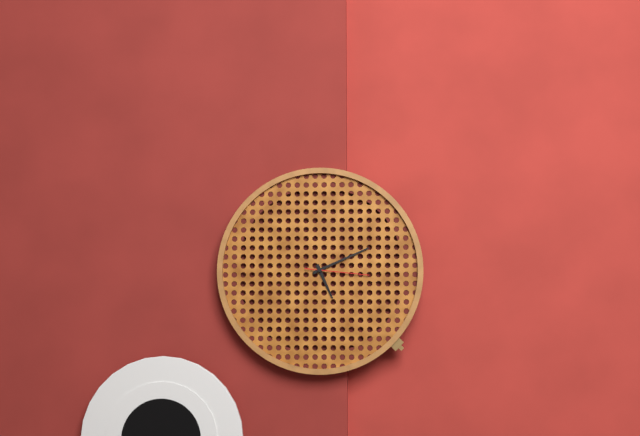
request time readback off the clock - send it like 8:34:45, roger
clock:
5:11:16
